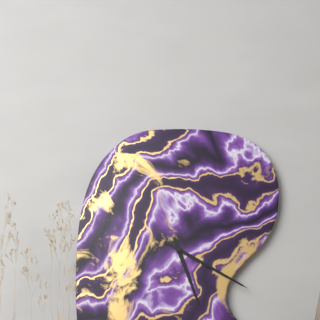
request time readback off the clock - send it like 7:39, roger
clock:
5:20
